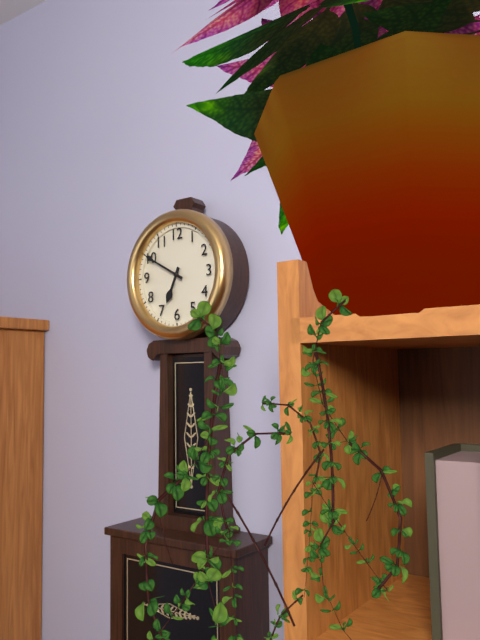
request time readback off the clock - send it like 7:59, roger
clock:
6:50
